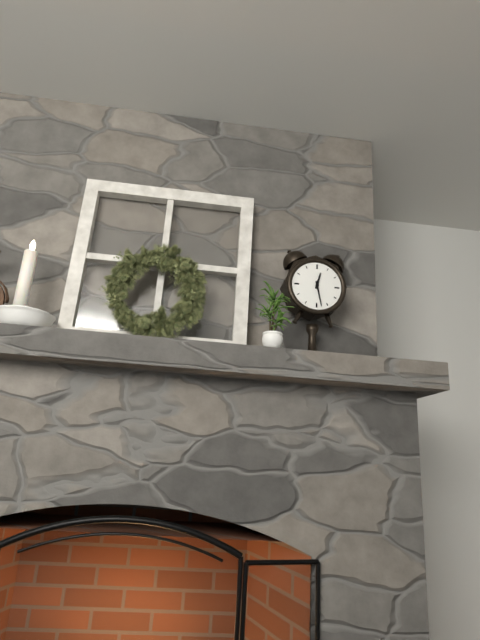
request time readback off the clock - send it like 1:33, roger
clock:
12:28
